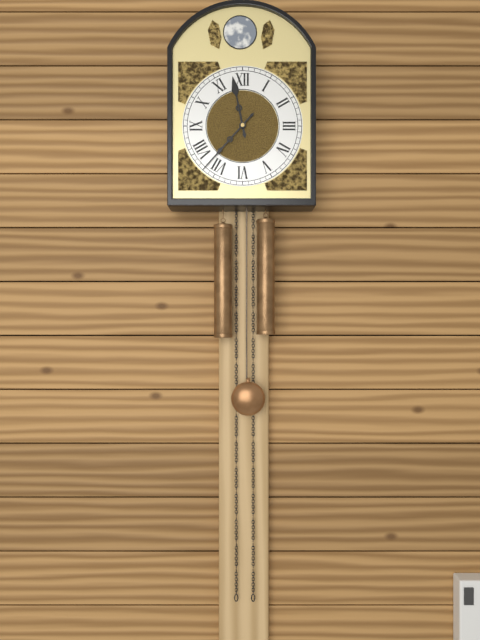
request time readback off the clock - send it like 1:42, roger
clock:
11:37
